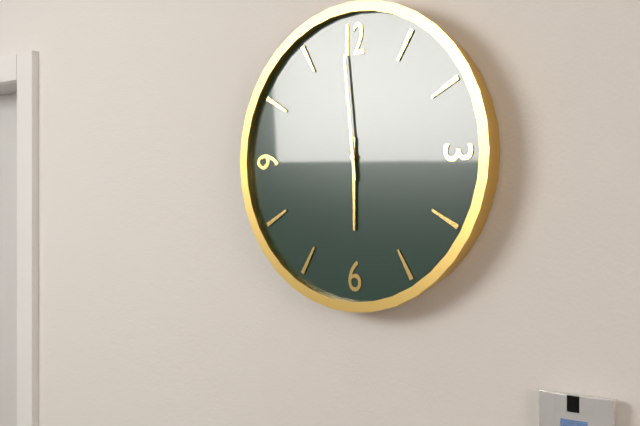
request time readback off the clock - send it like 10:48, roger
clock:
5:59
